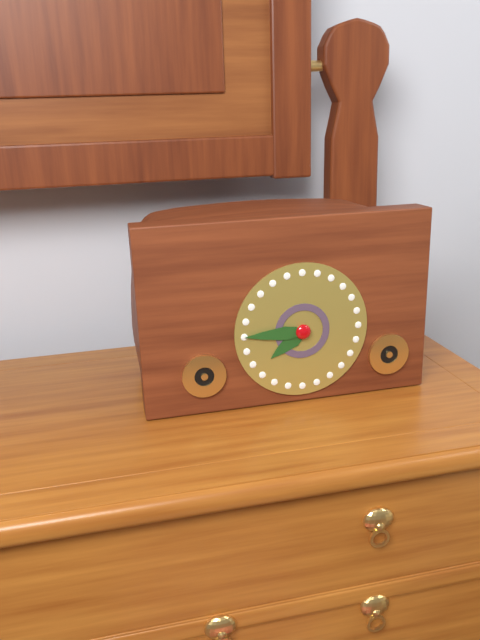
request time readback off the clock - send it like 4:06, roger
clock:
7:45
